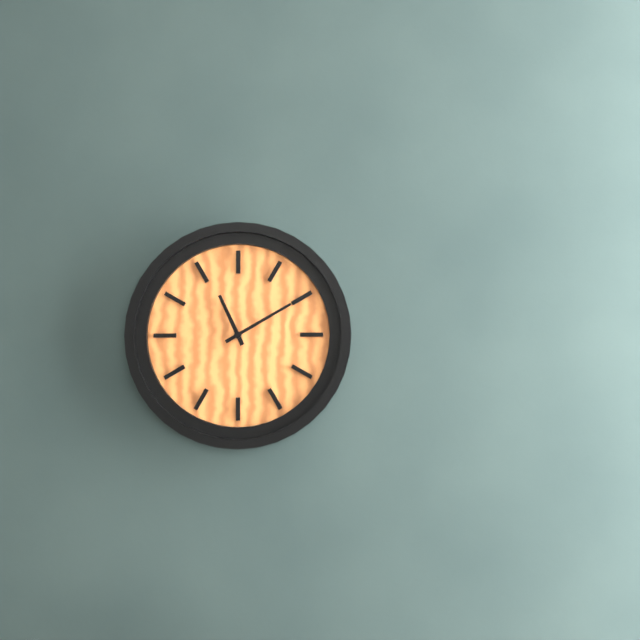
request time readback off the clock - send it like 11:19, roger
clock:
11:10
